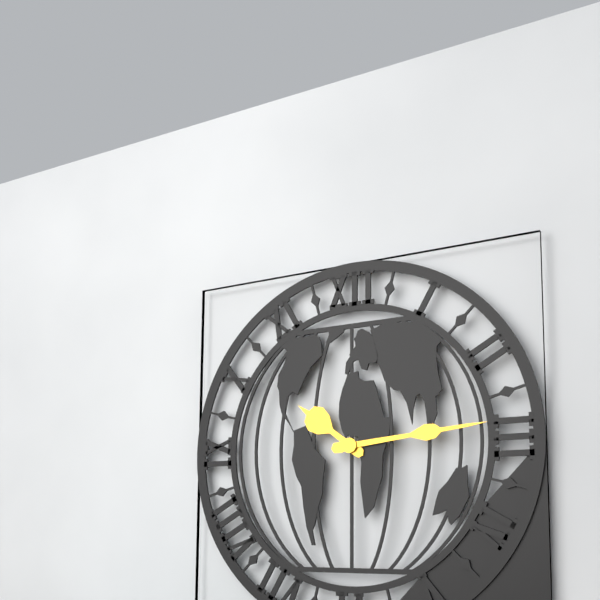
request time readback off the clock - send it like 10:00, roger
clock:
10:14
